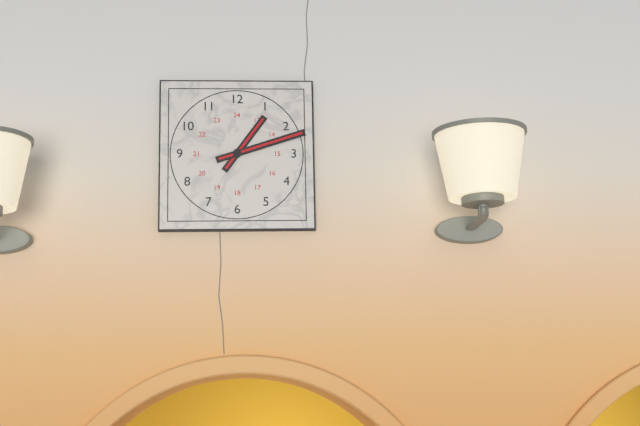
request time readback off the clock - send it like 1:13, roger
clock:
1:12
